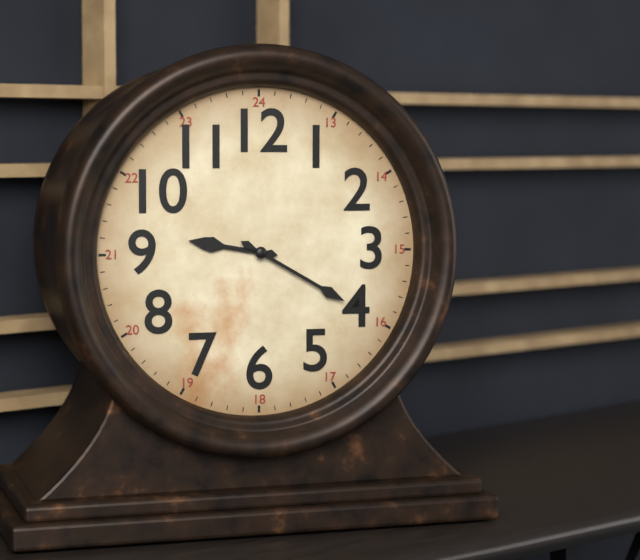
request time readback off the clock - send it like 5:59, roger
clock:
9:20
